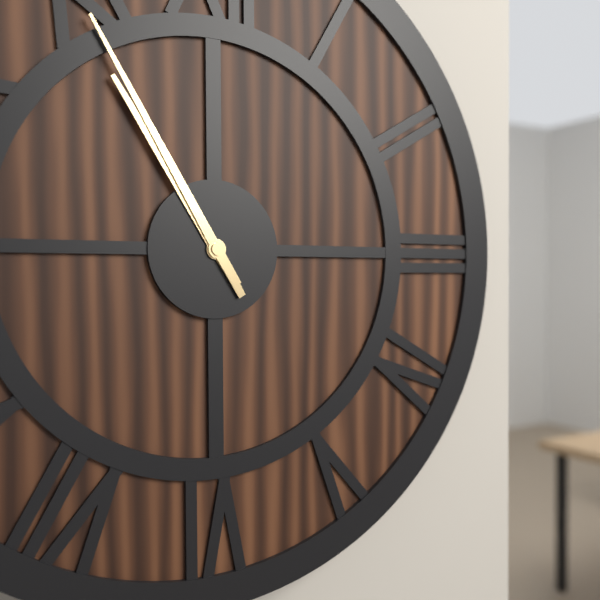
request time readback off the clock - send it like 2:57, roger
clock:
10:55
